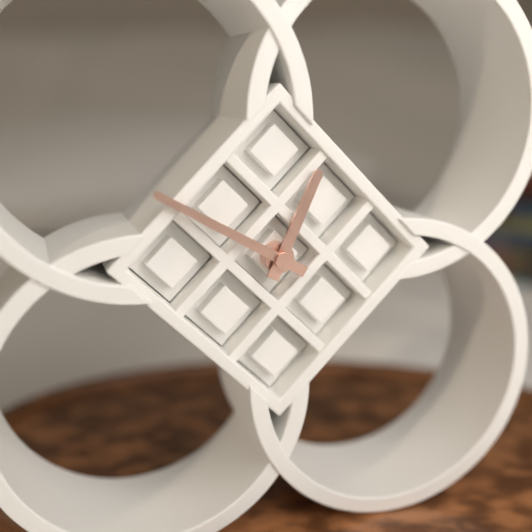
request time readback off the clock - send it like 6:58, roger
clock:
12:50
